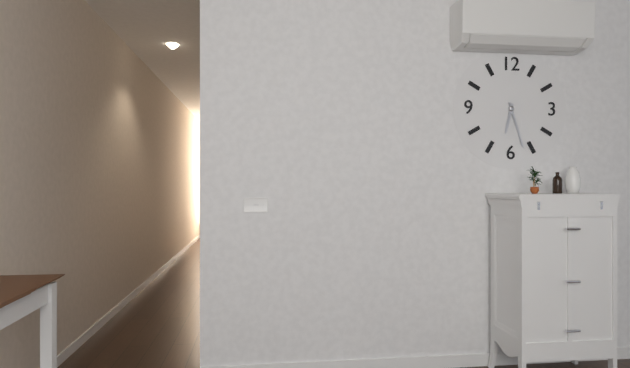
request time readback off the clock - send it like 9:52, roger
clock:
6:27
